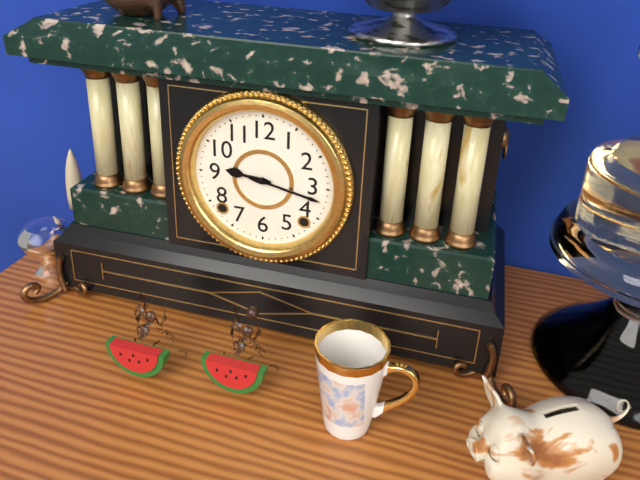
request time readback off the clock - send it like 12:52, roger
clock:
9:17
